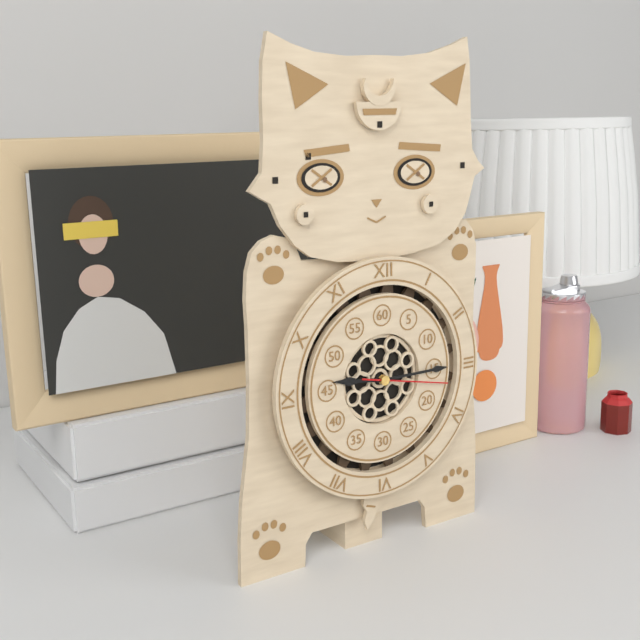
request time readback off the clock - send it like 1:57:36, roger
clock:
9:15:17
